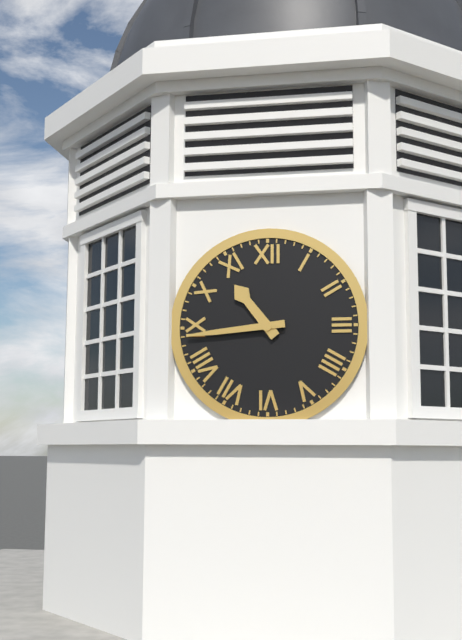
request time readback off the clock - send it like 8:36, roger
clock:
10:44
